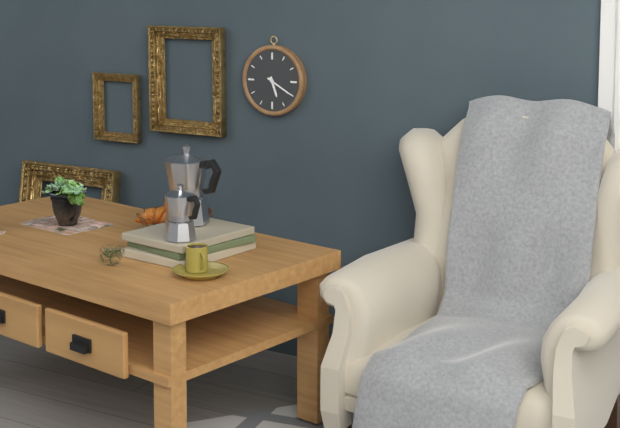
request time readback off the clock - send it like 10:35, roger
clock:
5:20
